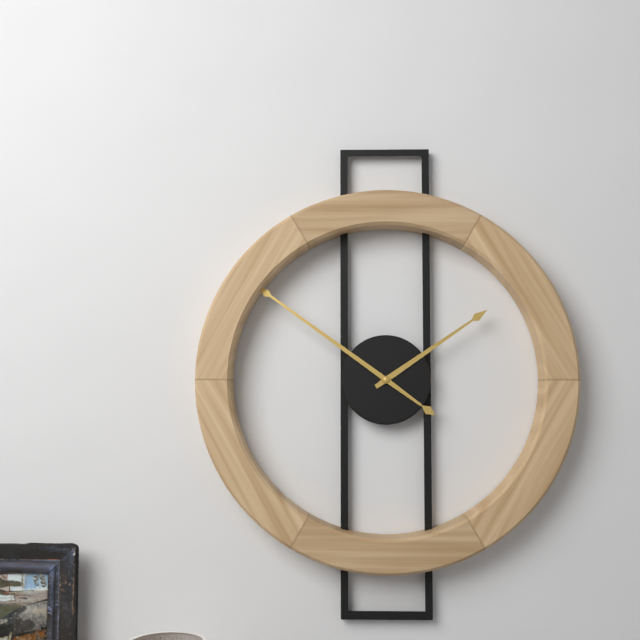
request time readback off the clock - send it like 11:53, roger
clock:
1:51
